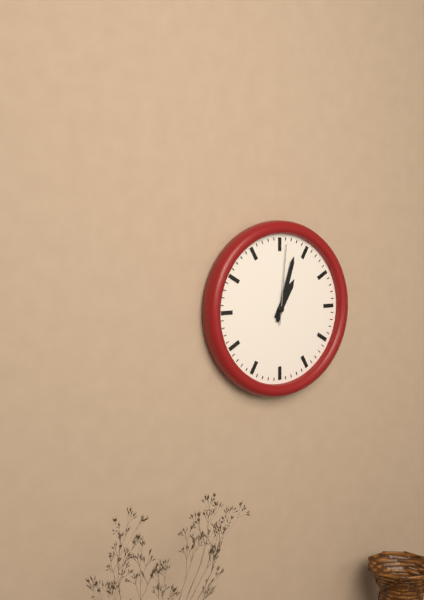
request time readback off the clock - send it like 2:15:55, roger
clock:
1:03:01
